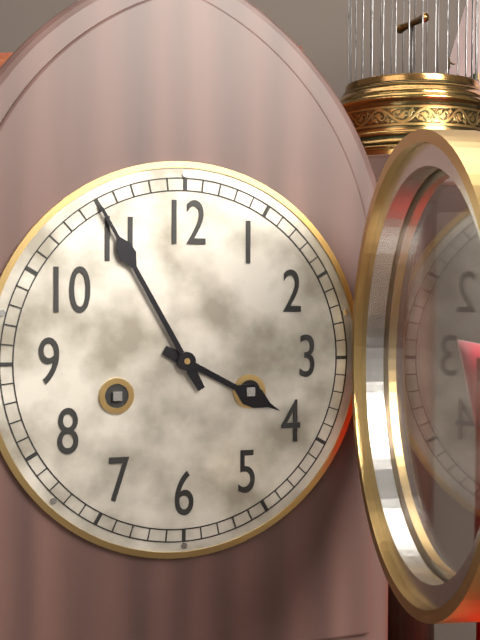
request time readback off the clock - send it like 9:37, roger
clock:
3:55
